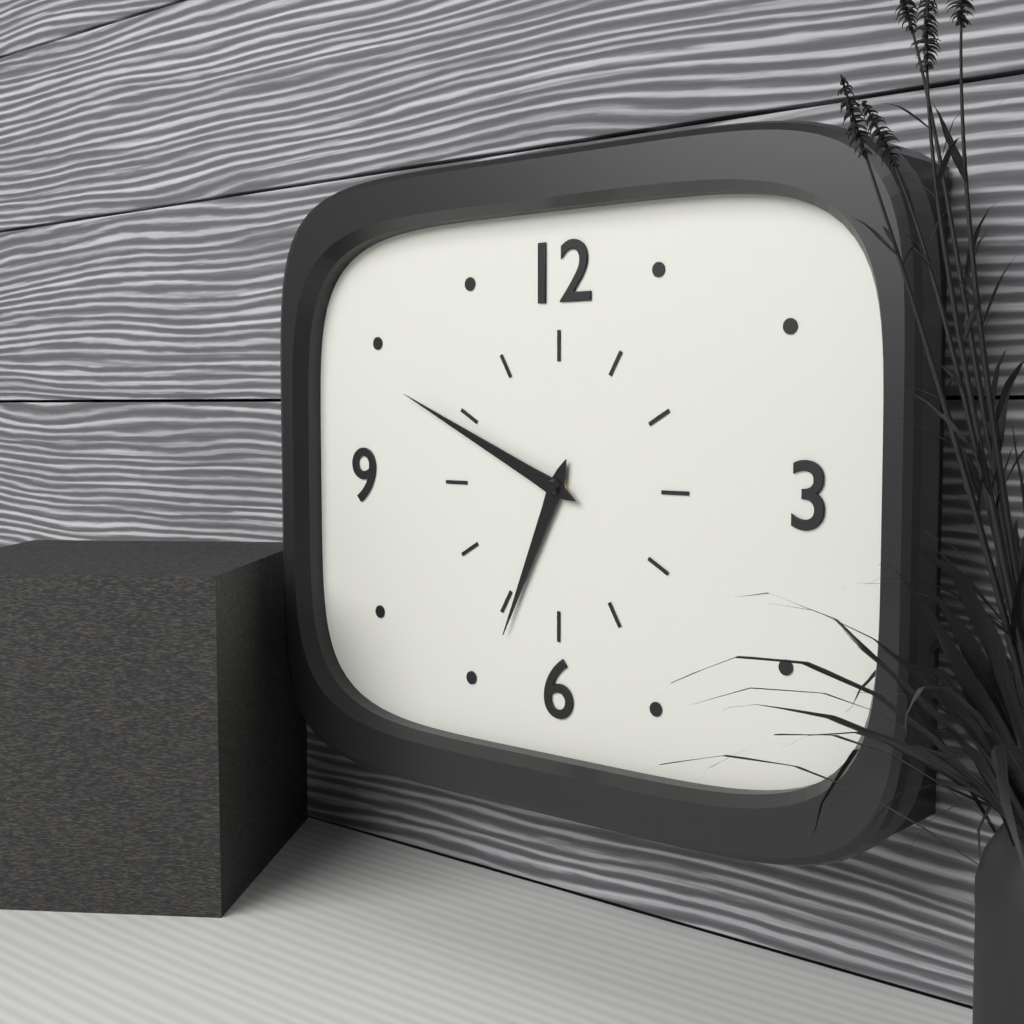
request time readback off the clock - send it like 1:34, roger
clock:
6:49
